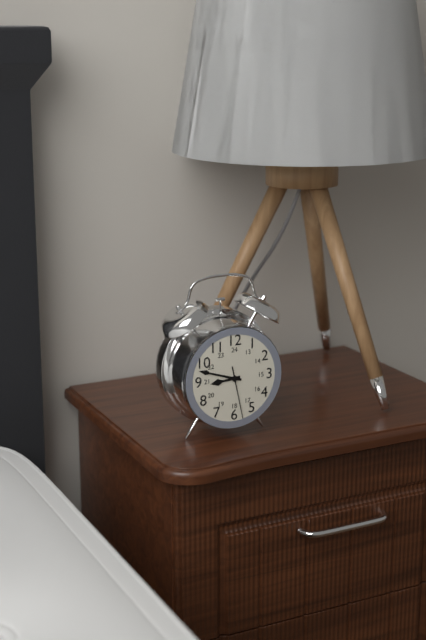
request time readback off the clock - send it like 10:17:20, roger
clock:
8:48:28
